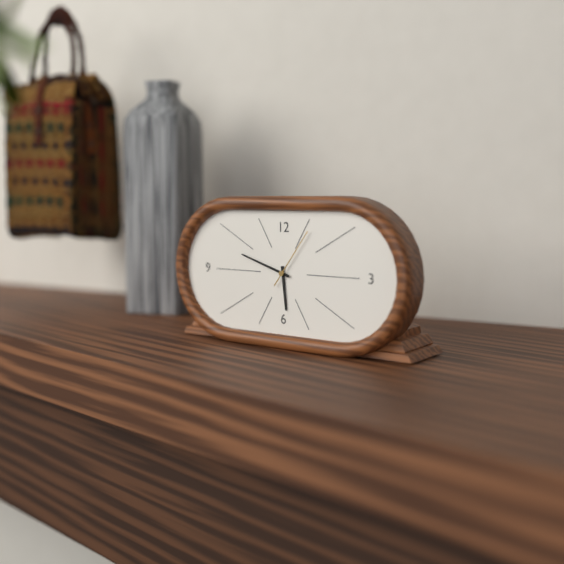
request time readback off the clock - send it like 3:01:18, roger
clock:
5:48:06
